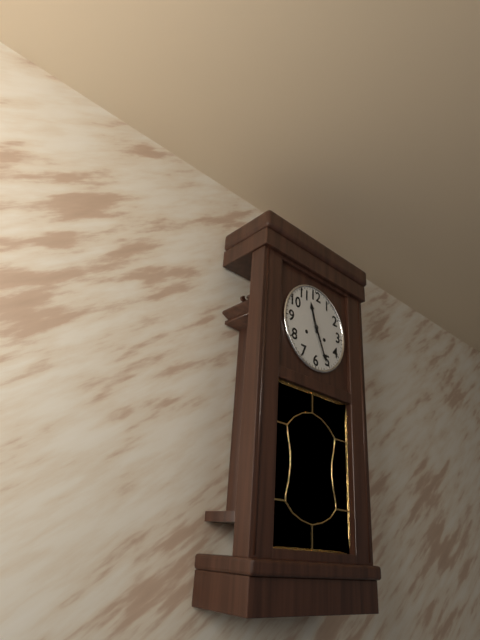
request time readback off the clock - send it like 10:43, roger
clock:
11:26
